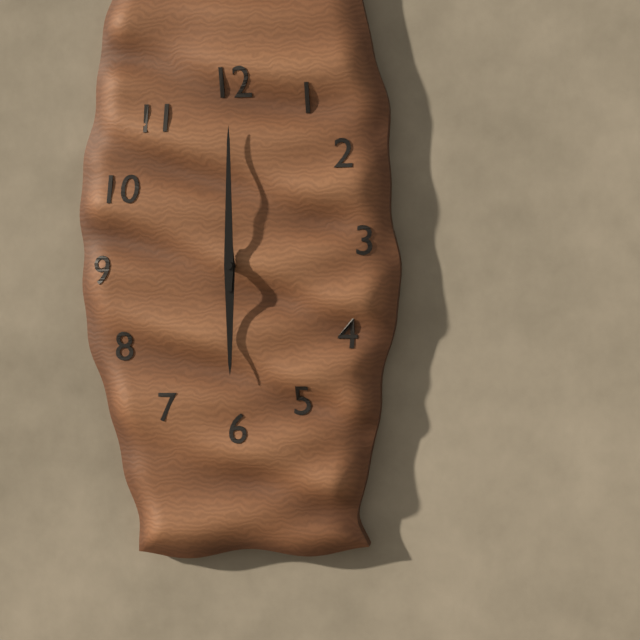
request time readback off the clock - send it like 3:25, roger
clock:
6:00
